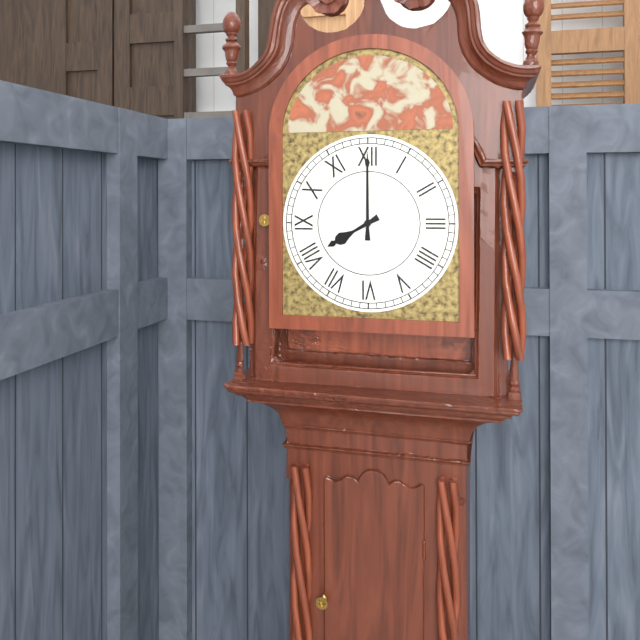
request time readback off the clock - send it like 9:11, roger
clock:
8:00
